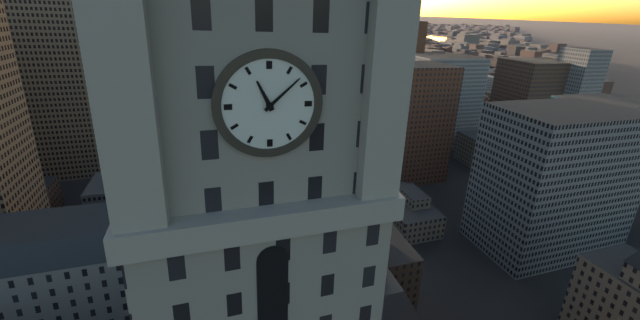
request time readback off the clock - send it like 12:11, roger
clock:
11:08
